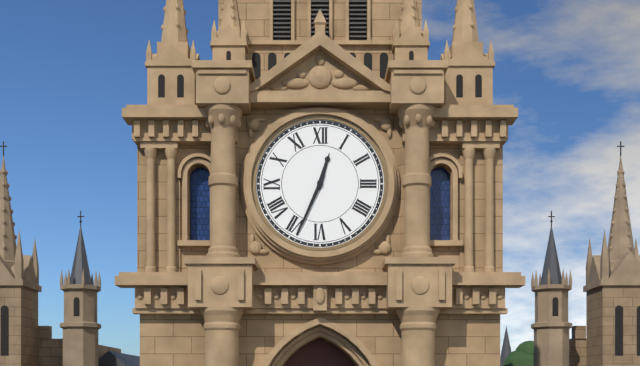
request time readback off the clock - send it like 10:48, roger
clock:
12:34
